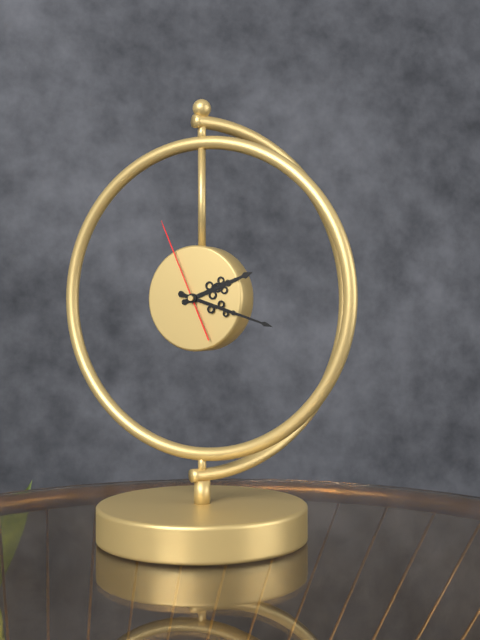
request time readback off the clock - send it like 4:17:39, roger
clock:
2:18:56
